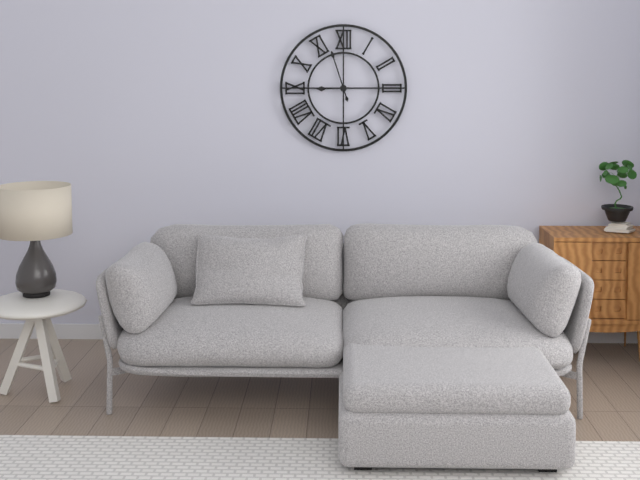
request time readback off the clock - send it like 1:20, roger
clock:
8:57
